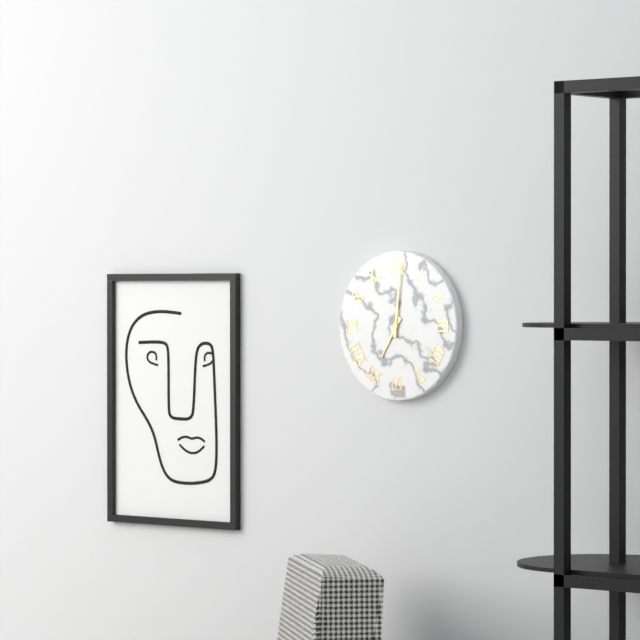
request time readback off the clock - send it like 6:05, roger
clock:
7:01
